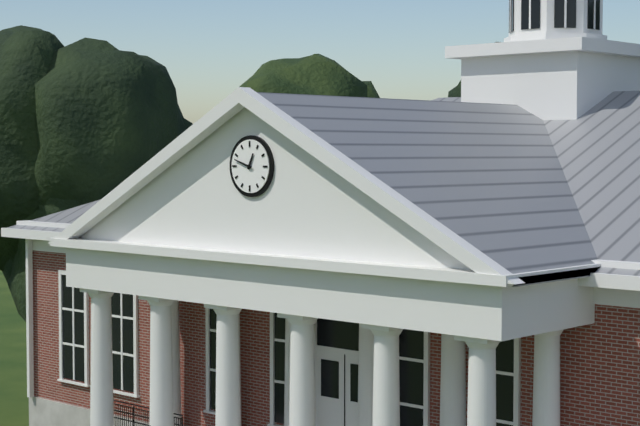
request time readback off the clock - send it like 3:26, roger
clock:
12:48
